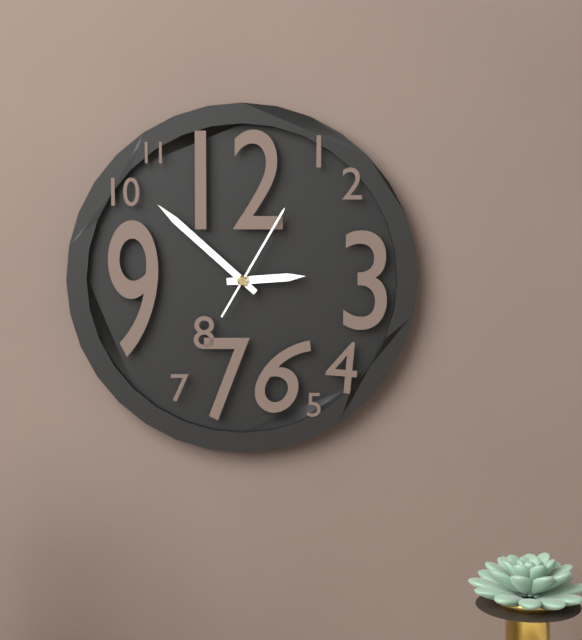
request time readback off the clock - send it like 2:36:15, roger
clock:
2:52:05
